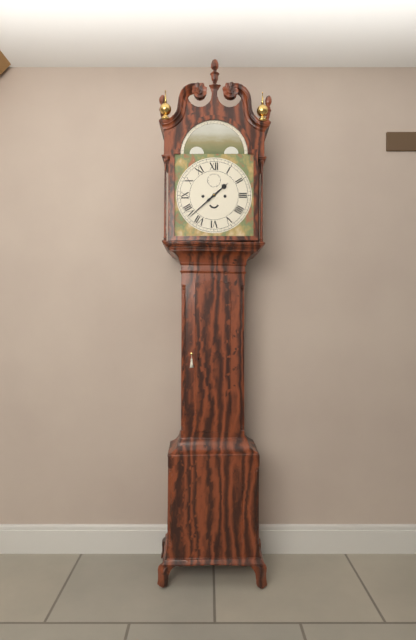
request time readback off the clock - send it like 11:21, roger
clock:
1:38
